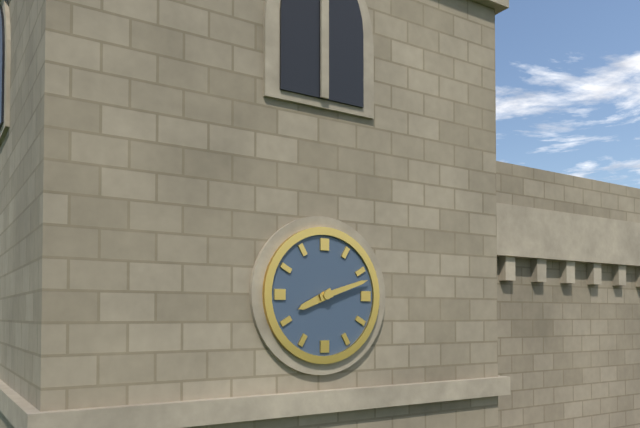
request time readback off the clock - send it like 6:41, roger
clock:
8:12
